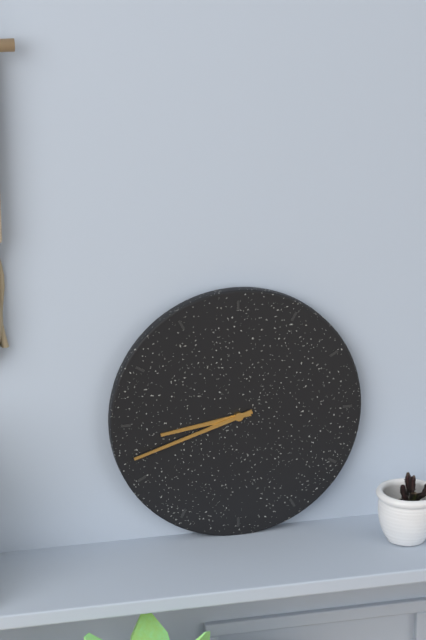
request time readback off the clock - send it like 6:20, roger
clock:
8:42
